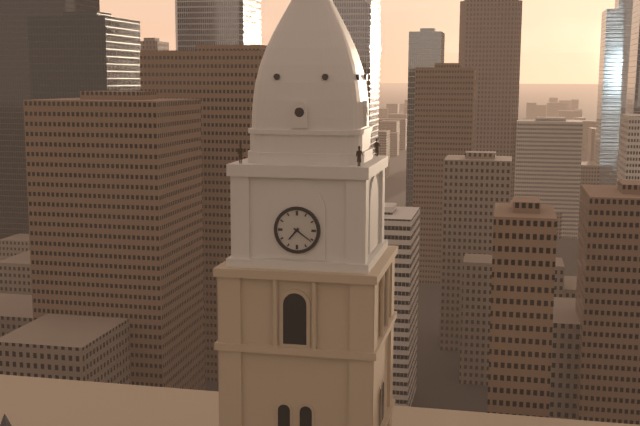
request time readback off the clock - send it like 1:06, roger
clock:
7:21
